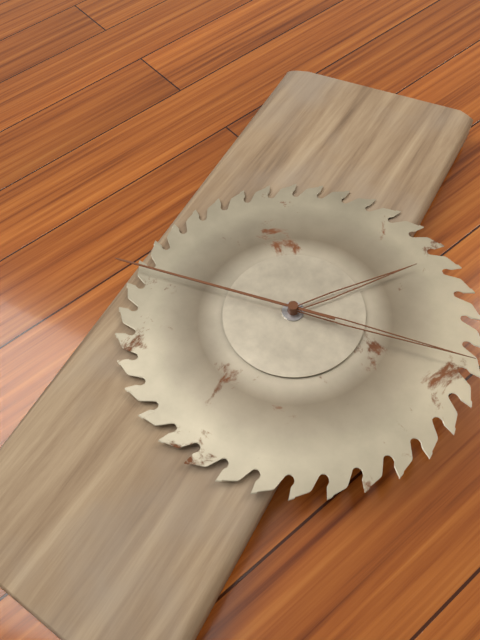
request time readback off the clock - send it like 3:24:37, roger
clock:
1:13:43
